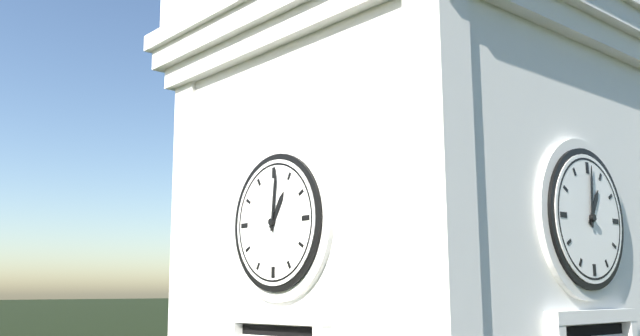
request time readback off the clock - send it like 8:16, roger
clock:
1:01
